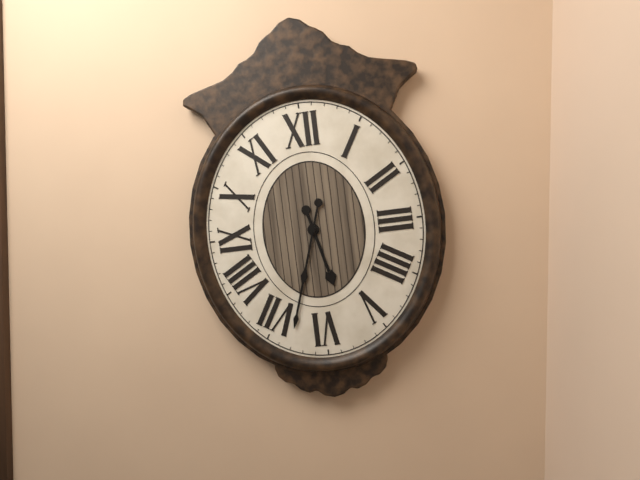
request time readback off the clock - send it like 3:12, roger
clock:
5:33
